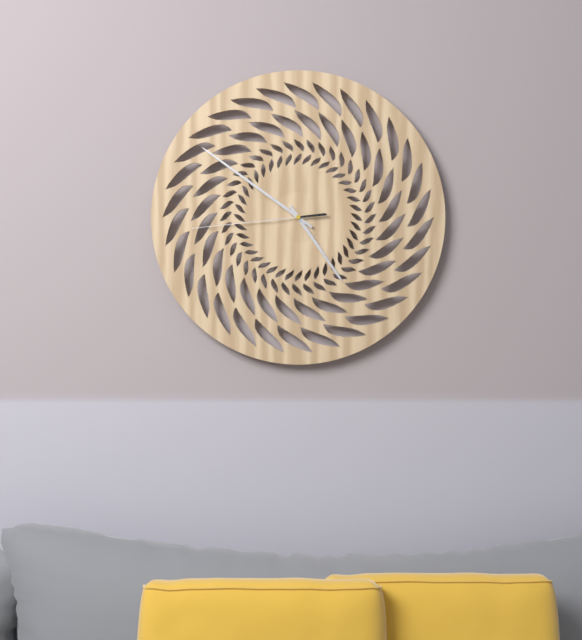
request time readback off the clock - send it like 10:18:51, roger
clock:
4:51:44
